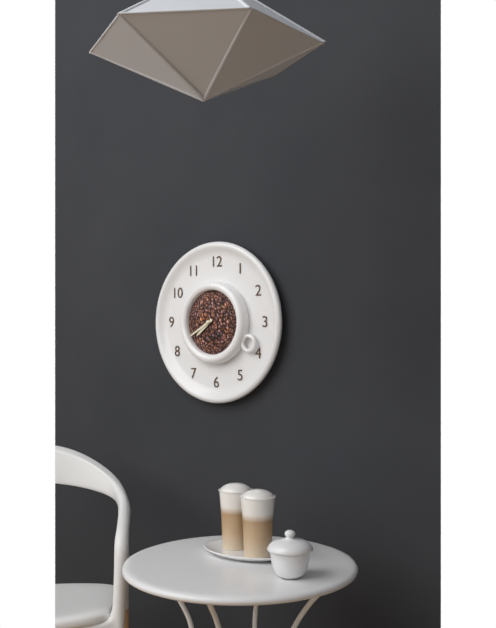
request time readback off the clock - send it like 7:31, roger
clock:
7:40
